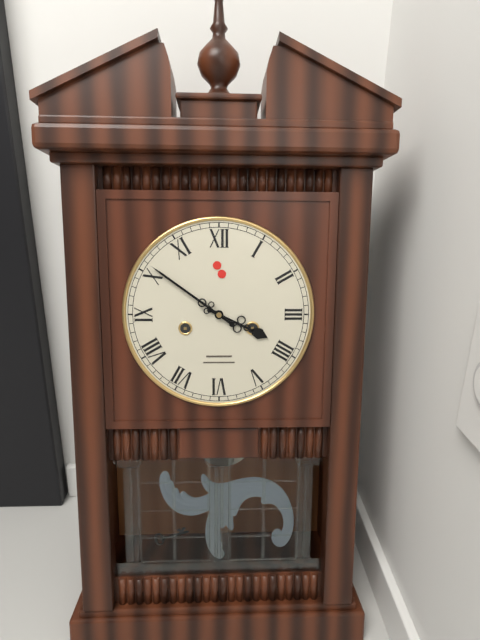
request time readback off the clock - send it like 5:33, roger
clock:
3:51
